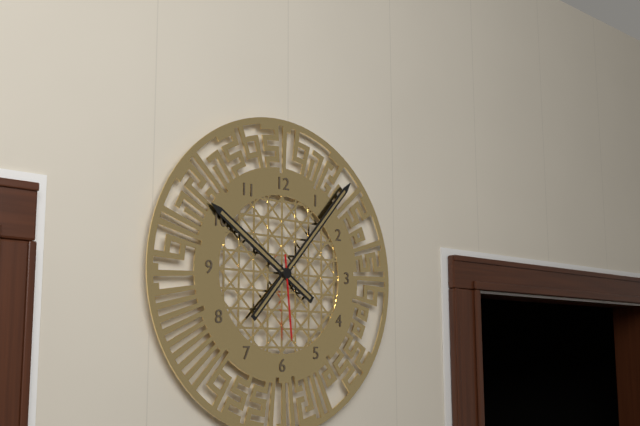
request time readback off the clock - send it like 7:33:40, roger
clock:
10:07:29
